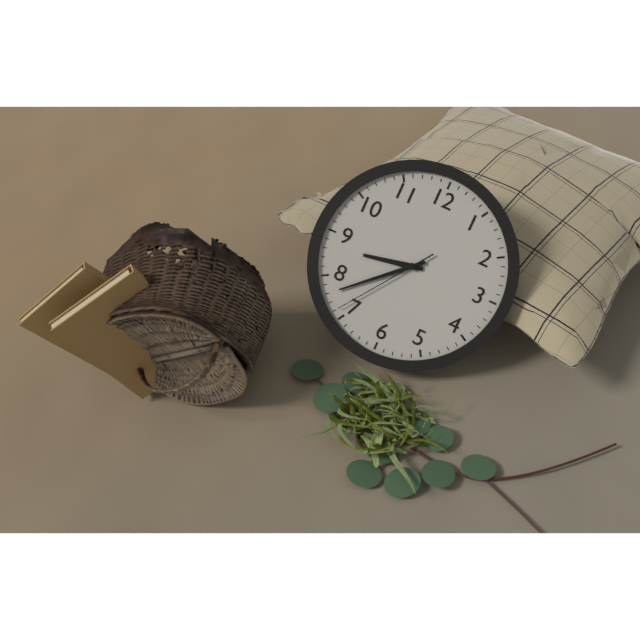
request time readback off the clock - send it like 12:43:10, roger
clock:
8:38:36
